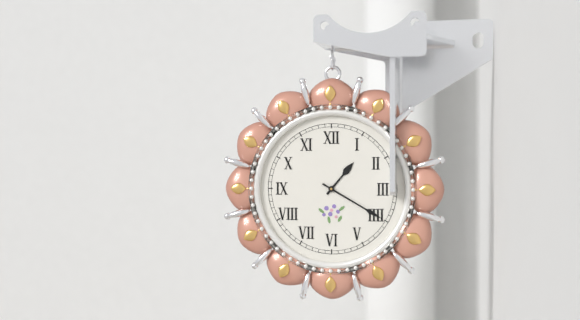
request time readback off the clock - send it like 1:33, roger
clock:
1:20
